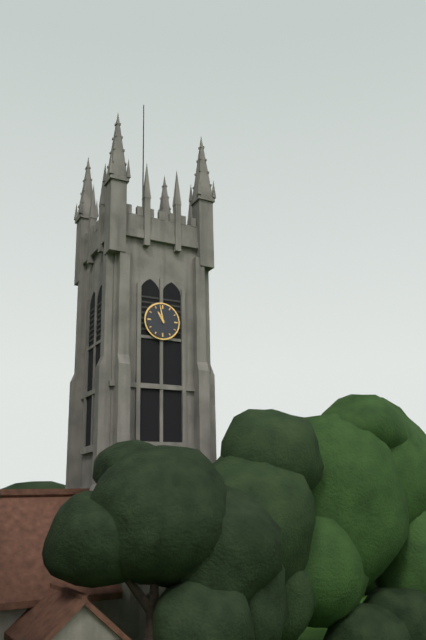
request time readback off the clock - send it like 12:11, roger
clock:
10:58
